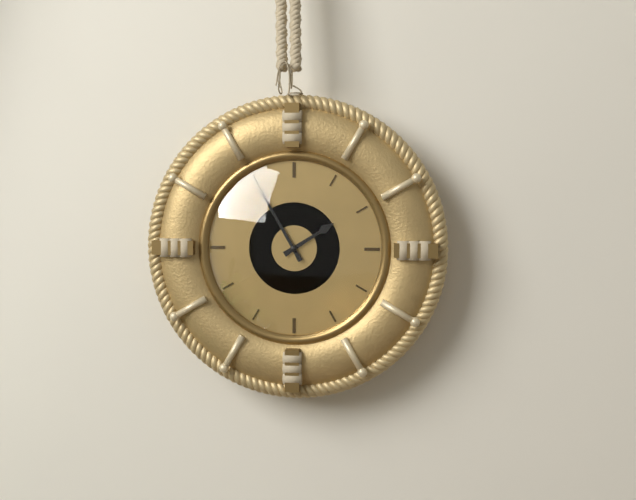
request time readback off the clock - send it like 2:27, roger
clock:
1:55
